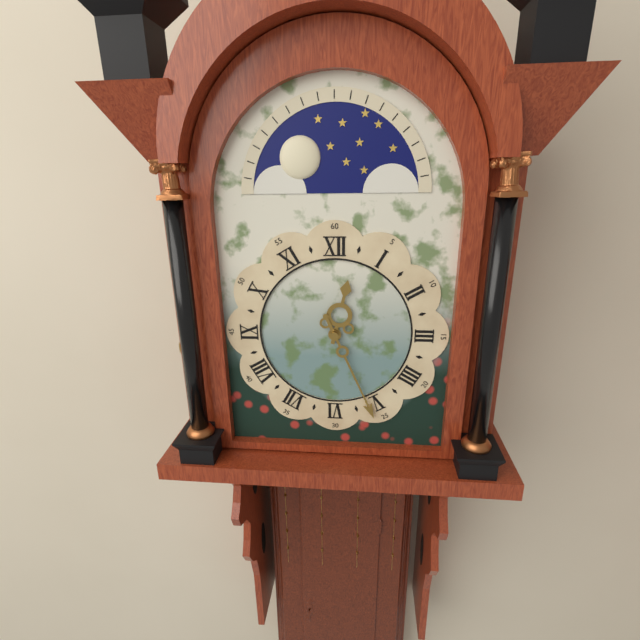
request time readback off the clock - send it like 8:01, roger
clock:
12:26
